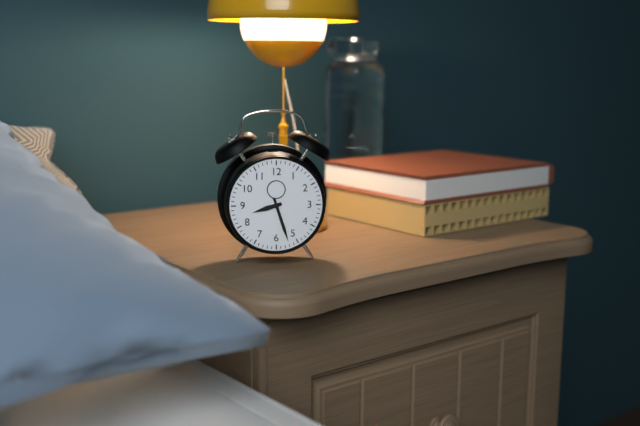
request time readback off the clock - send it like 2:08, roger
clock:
8:27
